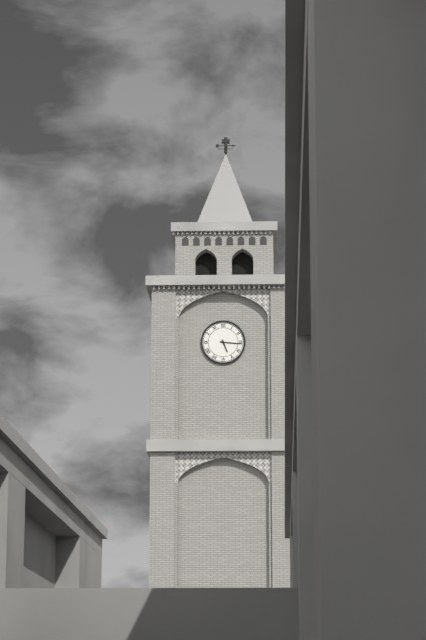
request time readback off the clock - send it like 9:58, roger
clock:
5:16
